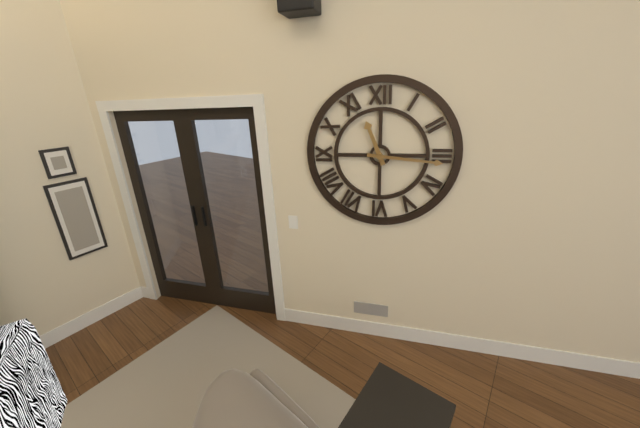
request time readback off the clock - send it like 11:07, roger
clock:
11:16
